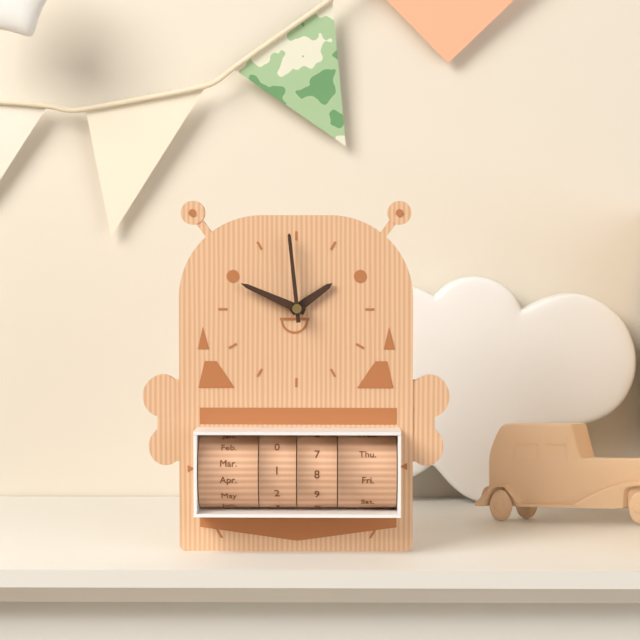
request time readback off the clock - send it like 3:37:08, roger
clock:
1:49:59
